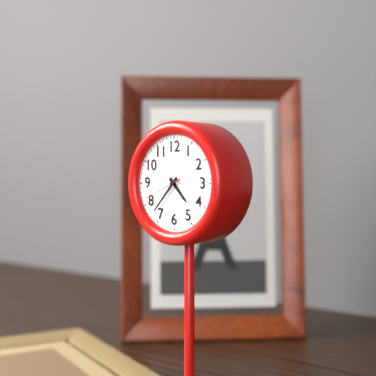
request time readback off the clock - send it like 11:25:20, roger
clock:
4:37:41
